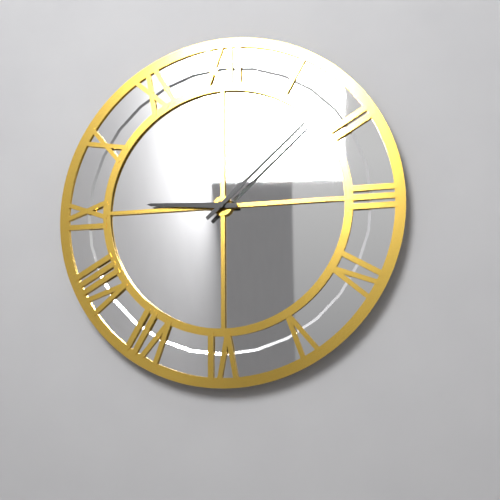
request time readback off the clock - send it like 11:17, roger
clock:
9:08
